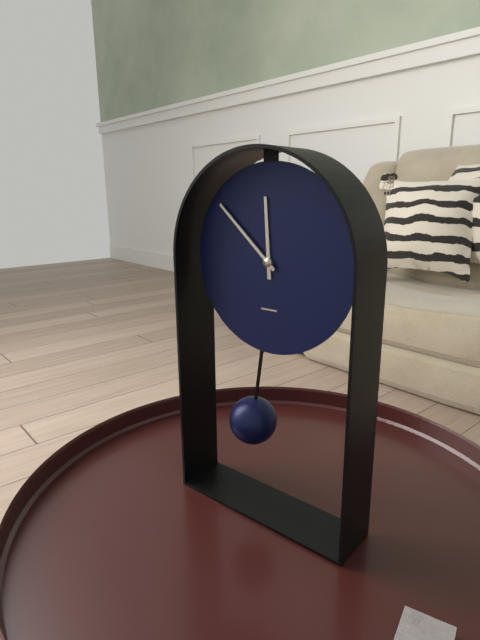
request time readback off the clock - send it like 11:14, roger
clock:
11:52
